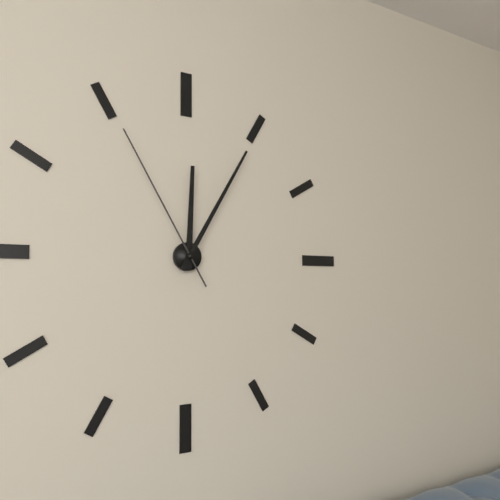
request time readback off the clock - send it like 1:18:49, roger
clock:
12:05:55
